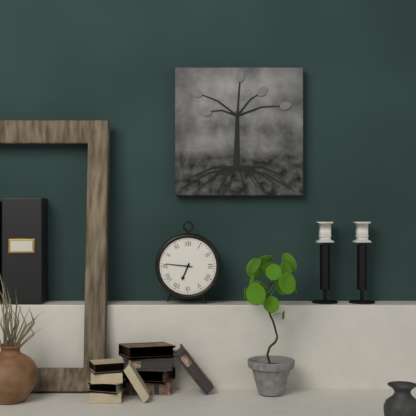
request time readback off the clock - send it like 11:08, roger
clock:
6:46
